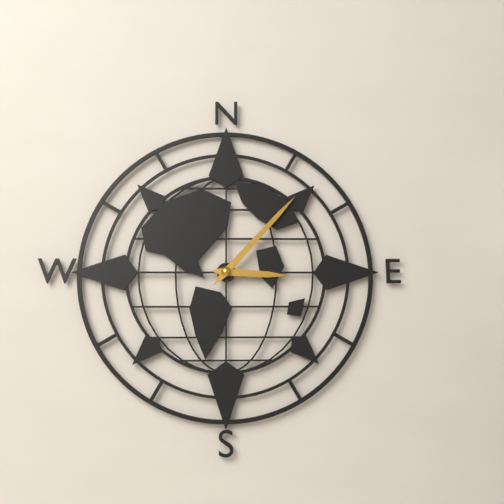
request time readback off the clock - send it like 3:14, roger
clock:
3:07
